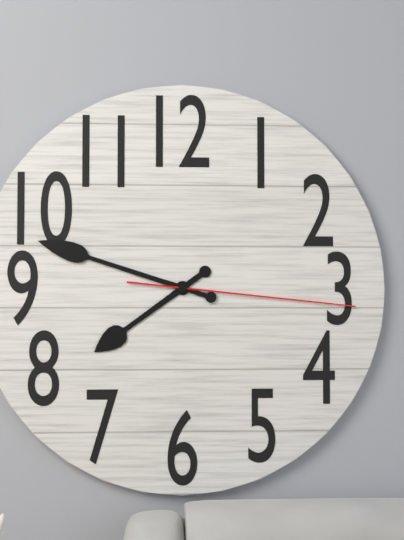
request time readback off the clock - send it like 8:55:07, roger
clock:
7:48:16
